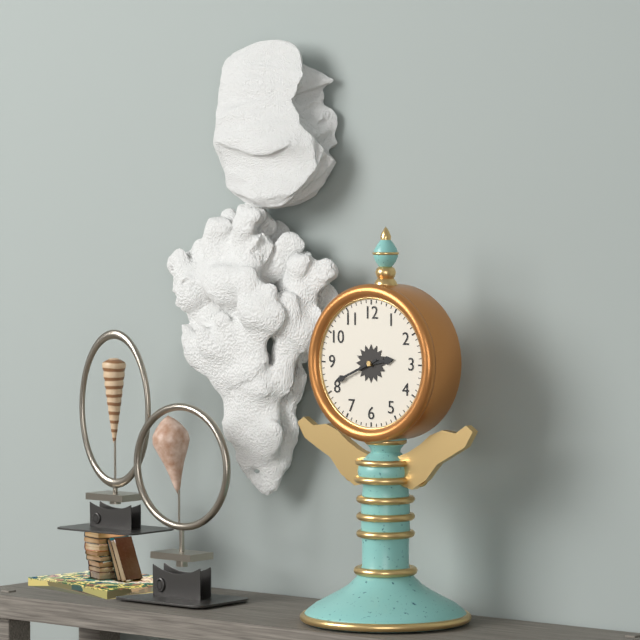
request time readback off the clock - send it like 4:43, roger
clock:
2:41
